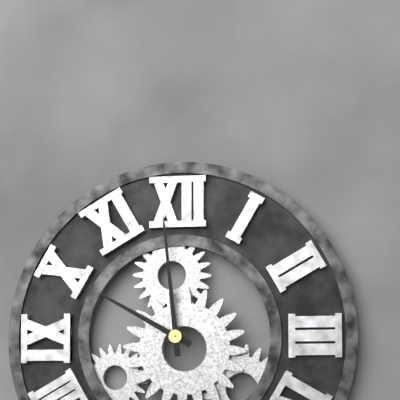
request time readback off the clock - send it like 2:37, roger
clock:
9:59
